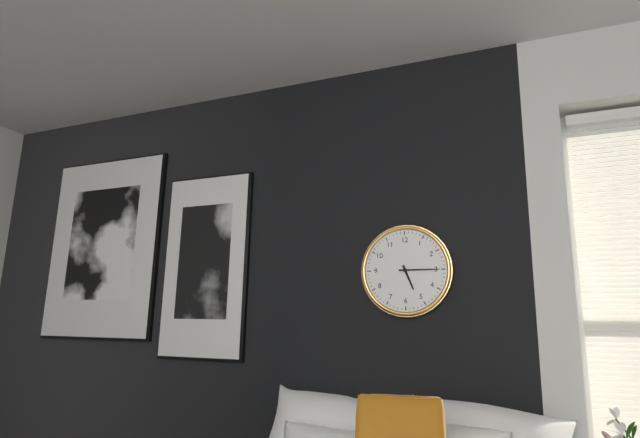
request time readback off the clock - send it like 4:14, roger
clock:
5:15
